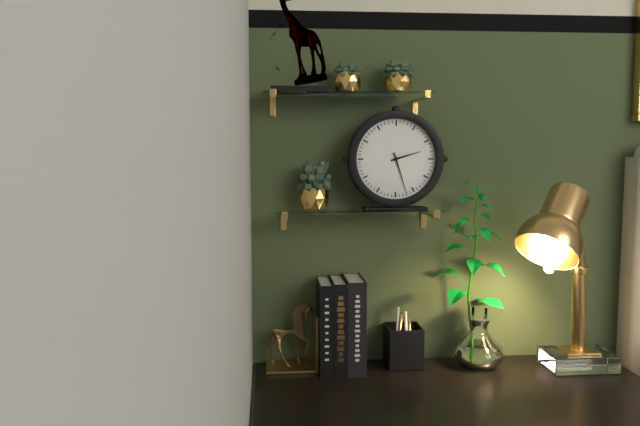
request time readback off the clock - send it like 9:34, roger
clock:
2:27
